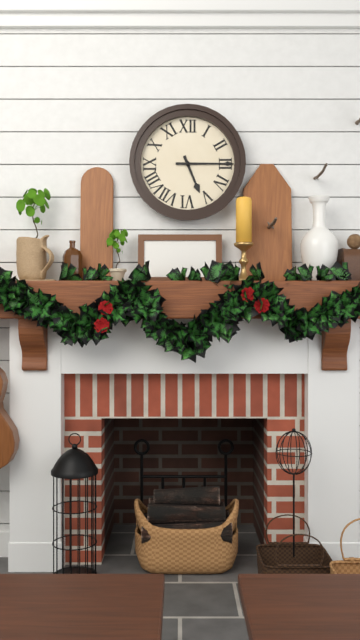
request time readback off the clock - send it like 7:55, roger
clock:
5:15
